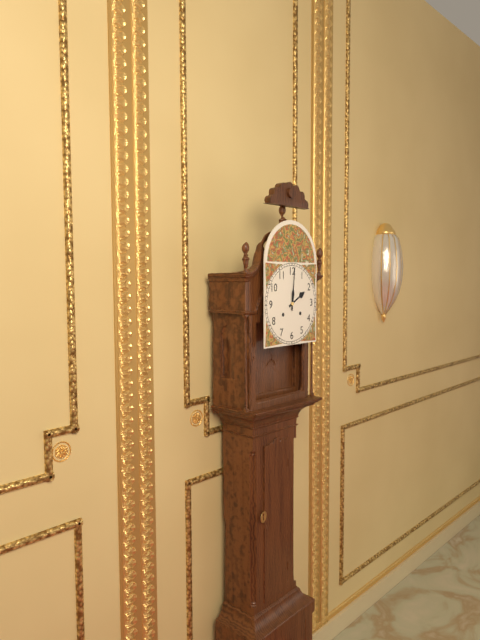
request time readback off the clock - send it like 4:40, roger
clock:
2:01
